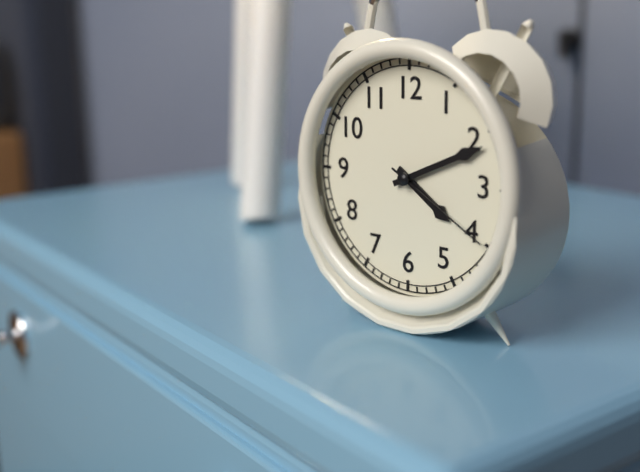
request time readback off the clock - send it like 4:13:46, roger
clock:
4:11:20
